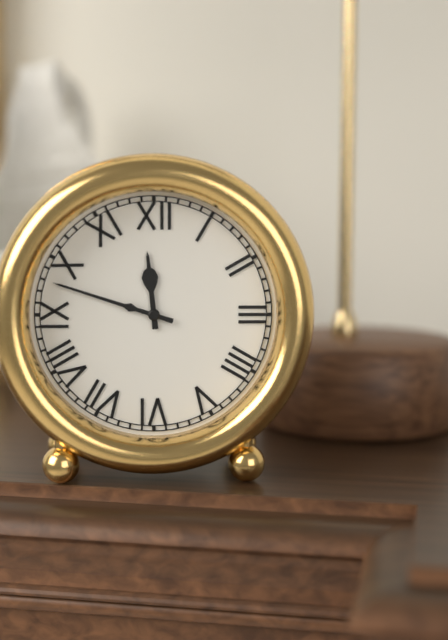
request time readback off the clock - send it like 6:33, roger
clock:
11:48
